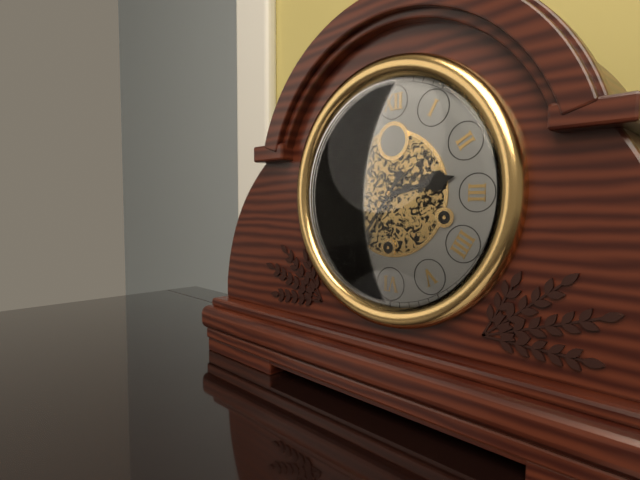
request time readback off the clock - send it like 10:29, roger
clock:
2:36
